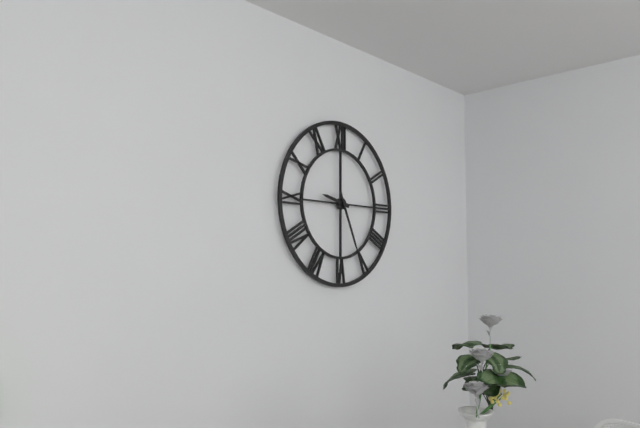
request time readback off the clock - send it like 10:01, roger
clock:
9:26
